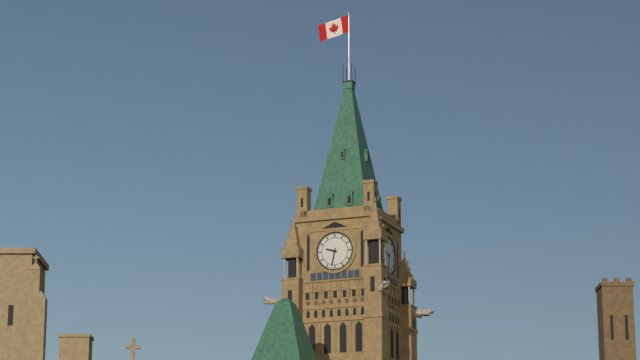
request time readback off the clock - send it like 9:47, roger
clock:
9:32
